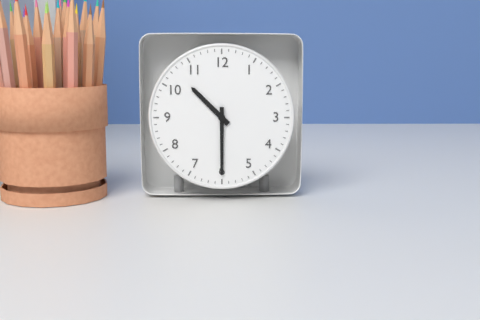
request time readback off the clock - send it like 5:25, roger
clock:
10:30
